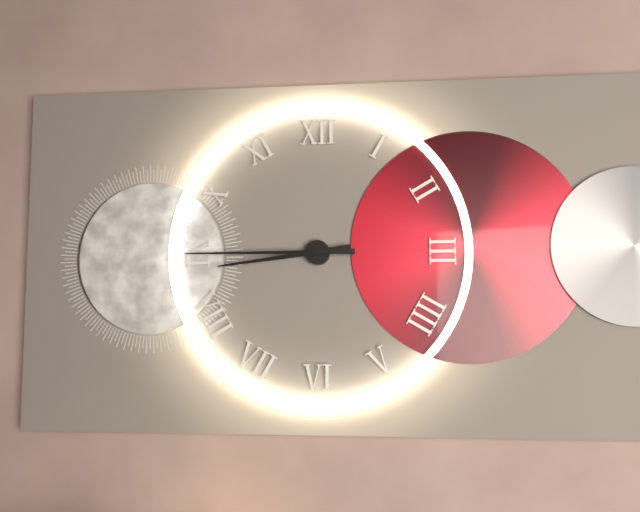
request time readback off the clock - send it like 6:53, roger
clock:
8:45
